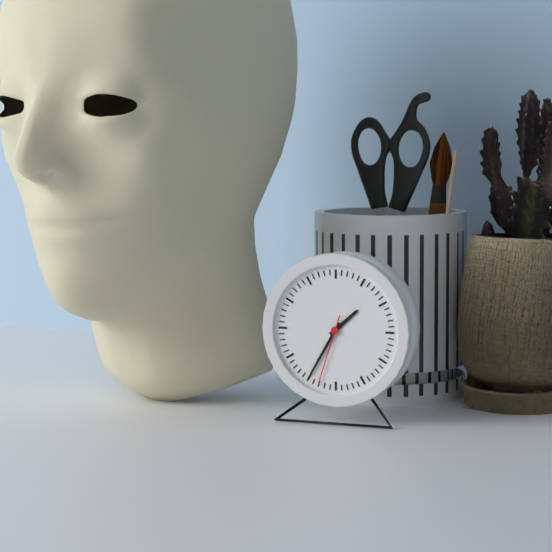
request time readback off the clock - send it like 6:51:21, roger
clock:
1:35:33
